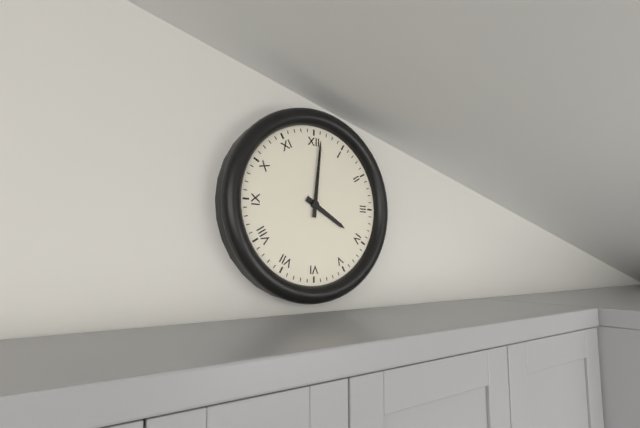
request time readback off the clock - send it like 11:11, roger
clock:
4:01
